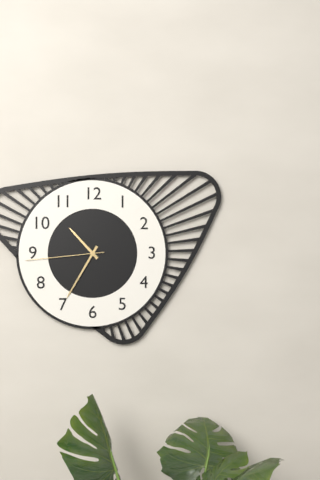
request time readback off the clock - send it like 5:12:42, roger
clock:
10:35:44
